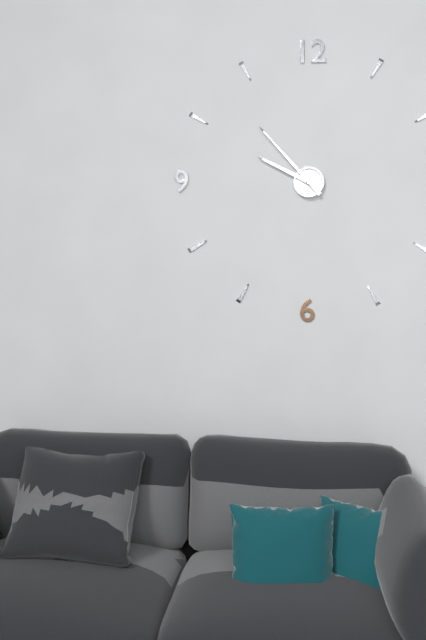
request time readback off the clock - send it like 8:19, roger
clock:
9:53
